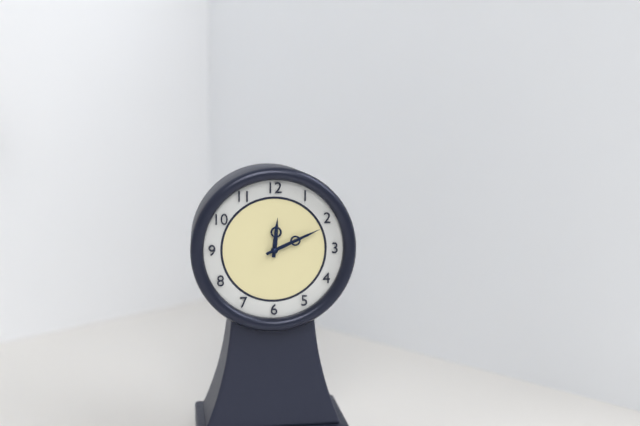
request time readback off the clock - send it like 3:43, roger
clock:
12:11
